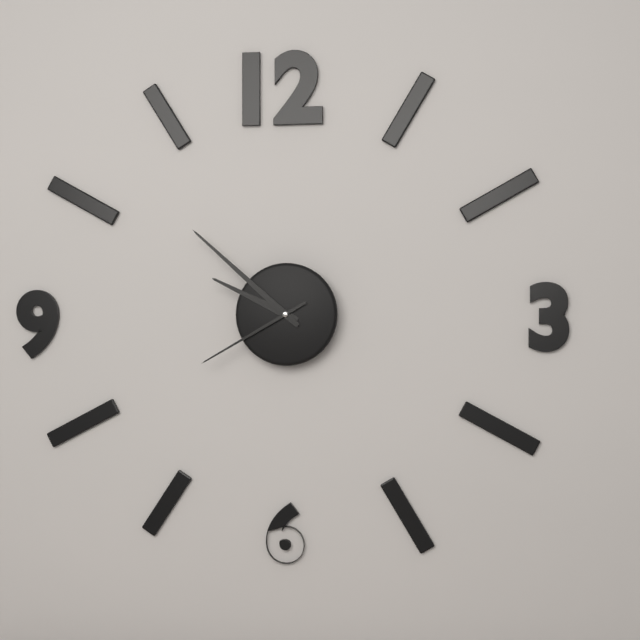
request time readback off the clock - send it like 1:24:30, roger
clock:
9:52:40
